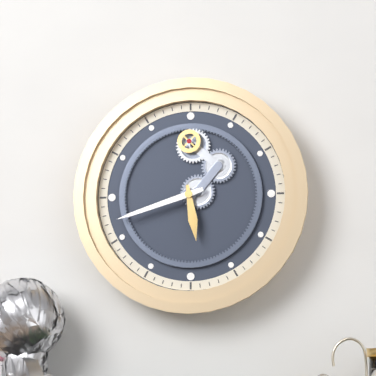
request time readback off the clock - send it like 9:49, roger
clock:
5:42
